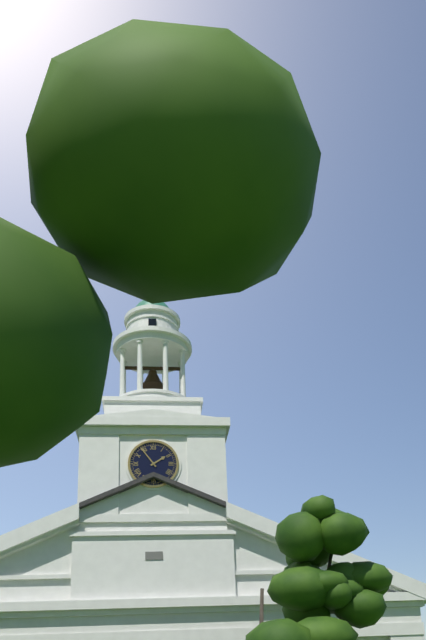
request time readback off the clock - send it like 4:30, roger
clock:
1:54
